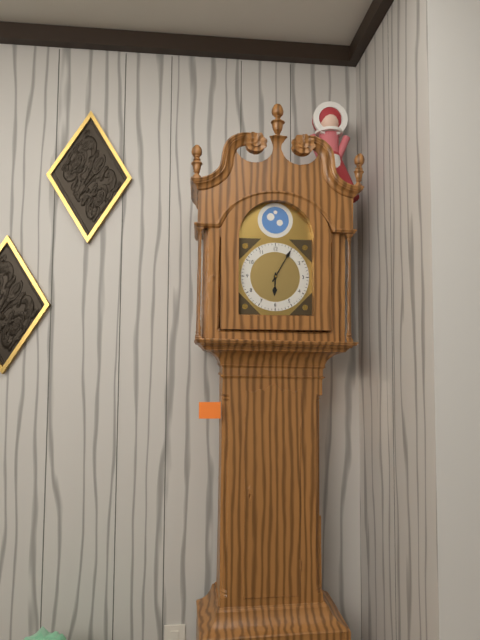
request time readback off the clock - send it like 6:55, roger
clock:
6:05
